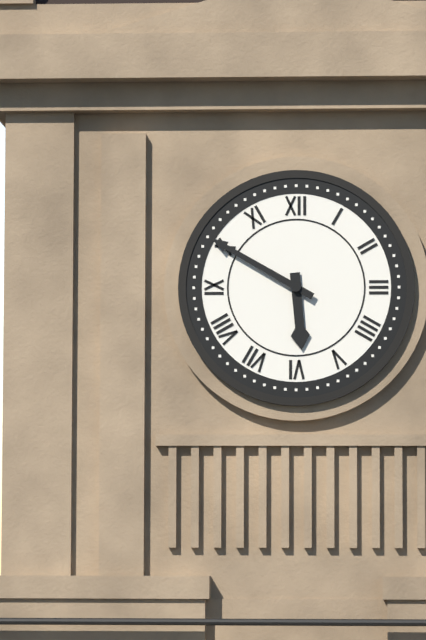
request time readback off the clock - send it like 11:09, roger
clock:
5:50
